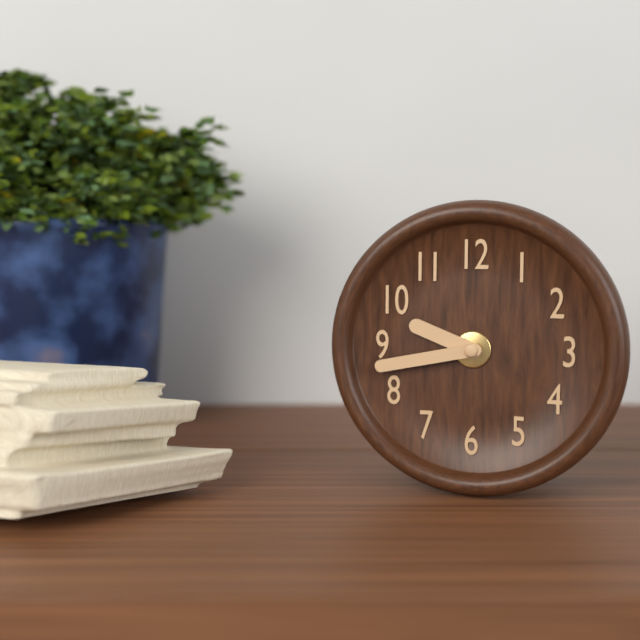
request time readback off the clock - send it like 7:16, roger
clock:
9:43
